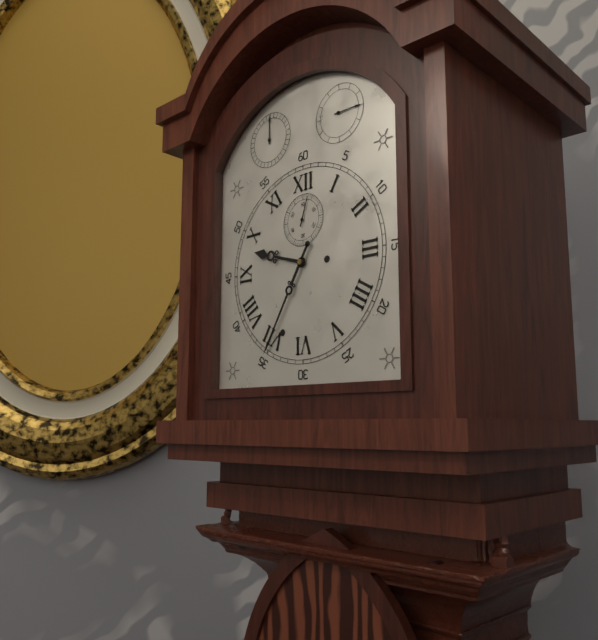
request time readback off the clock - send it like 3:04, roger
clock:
9:35
